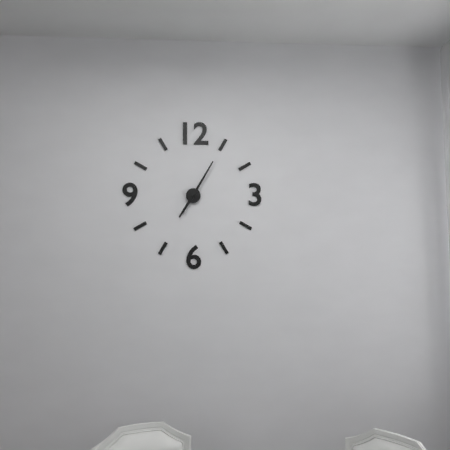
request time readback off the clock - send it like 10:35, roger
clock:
7:05
